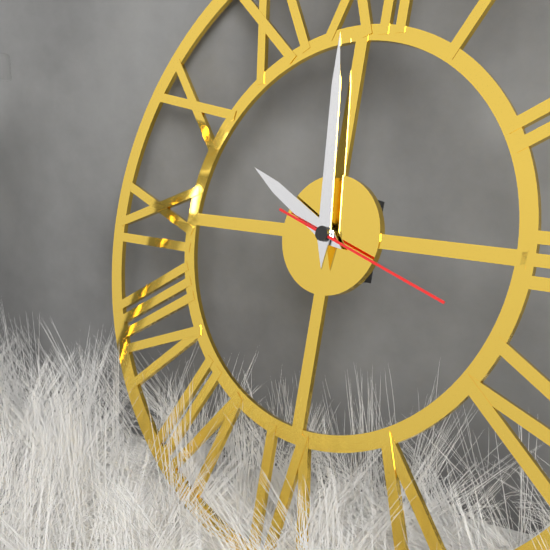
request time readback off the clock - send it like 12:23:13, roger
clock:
9:59:18
